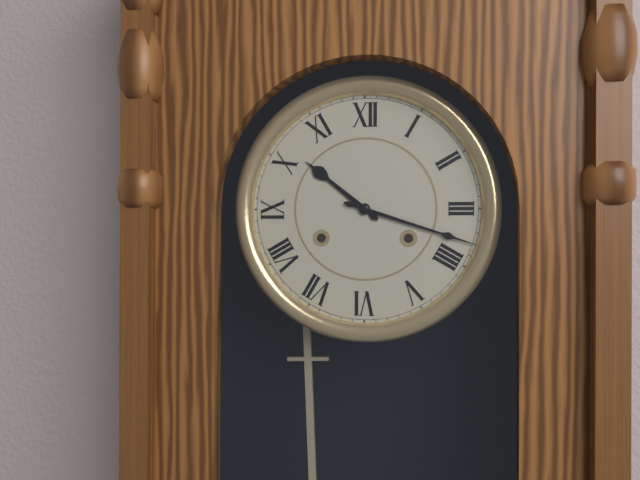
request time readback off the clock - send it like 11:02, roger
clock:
10:18
